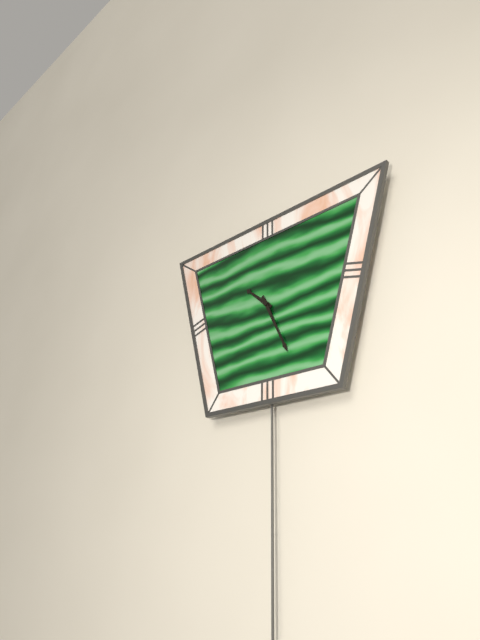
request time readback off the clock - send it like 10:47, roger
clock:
10:26
